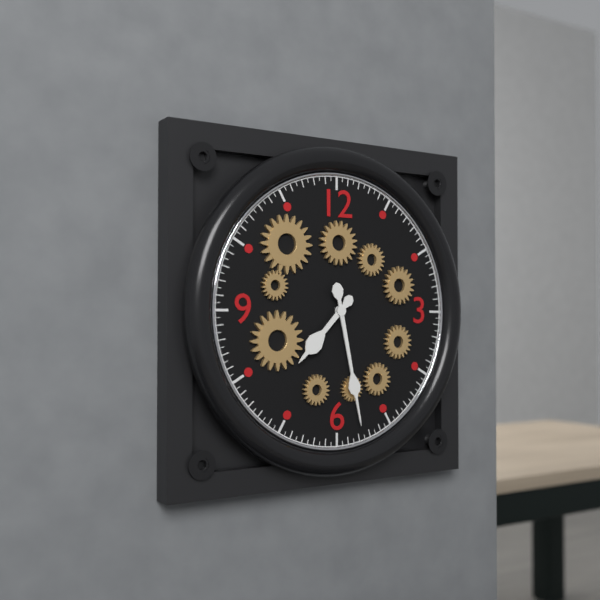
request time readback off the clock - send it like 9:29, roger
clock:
7:28
